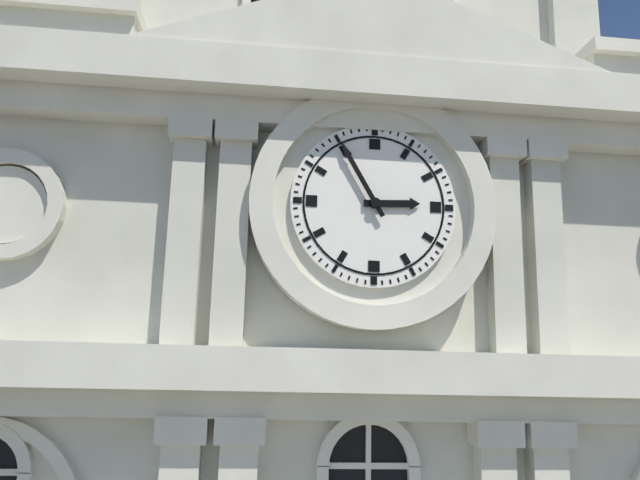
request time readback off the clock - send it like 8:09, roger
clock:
2:55
